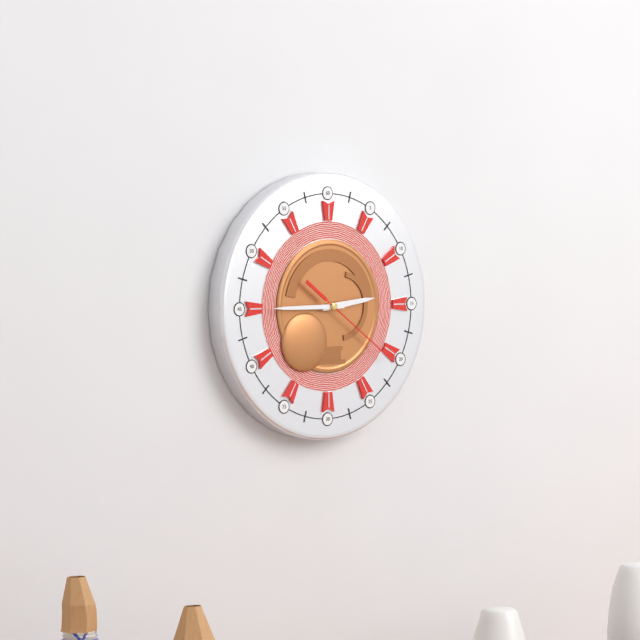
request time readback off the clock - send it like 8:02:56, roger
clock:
2:45:21
